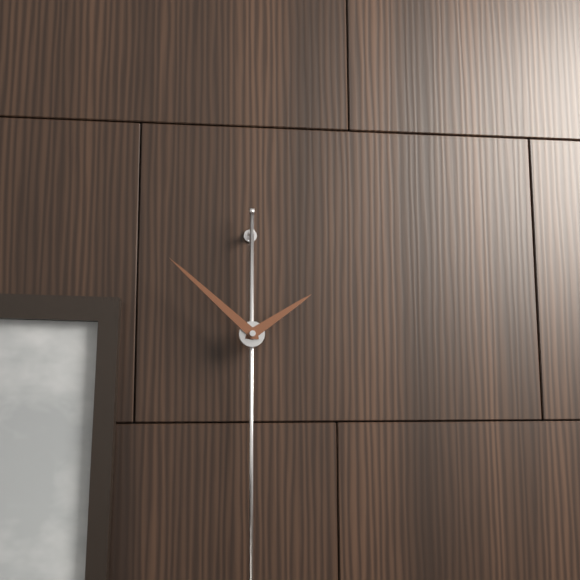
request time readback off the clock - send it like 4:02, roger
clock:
1:52
